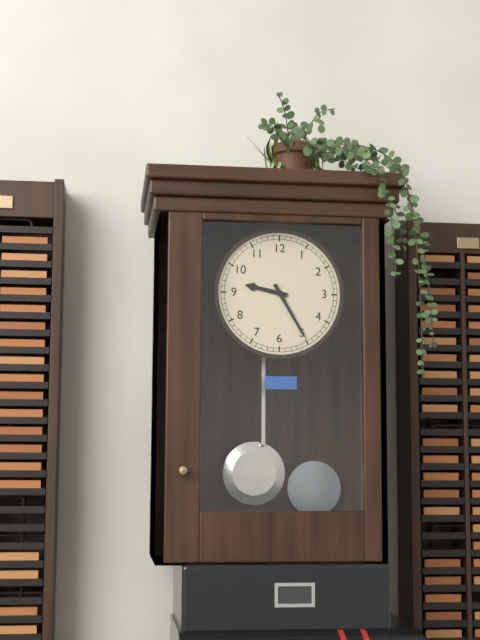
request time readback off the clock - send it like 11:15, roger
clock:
9:25
